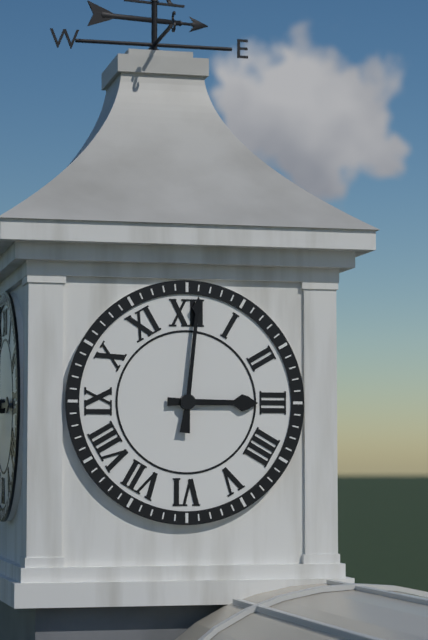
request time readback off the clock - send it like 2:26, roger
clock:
3:01
